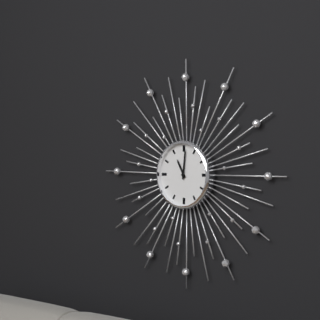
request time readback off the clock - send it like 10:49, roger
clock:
11:01
